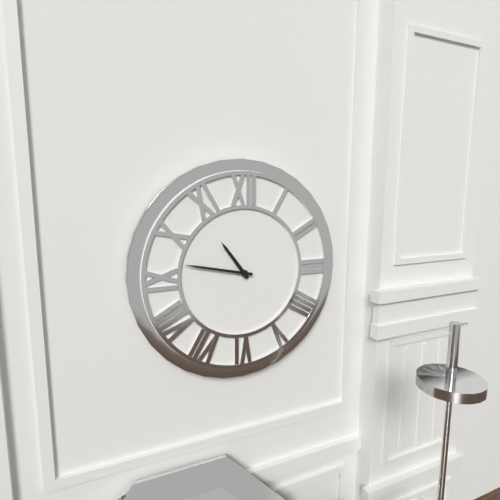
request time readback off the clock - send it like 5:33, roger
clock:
10:47
